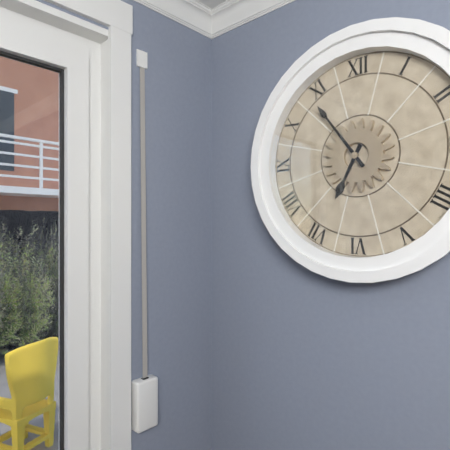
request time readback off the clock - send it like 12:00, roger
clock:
6:54
